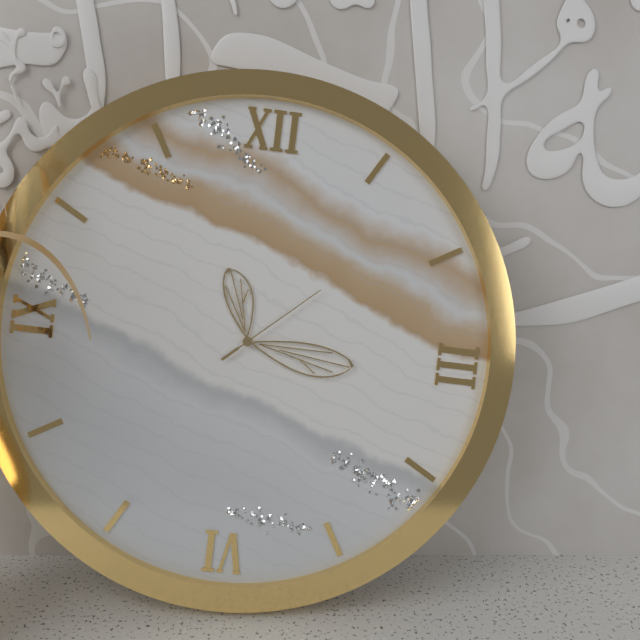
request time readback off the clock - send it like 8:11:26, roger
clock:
11:16:08
